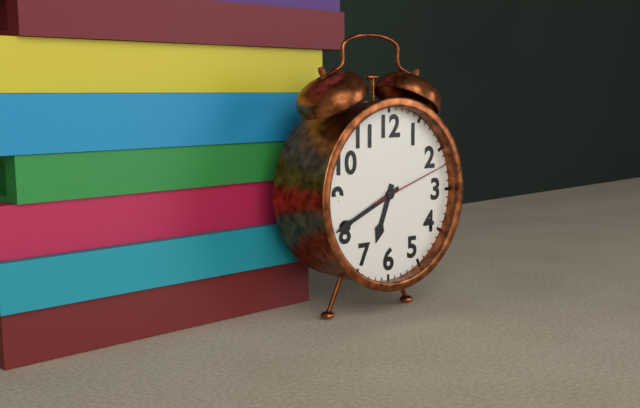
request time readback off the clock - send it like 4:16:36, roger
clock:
6:41:12
